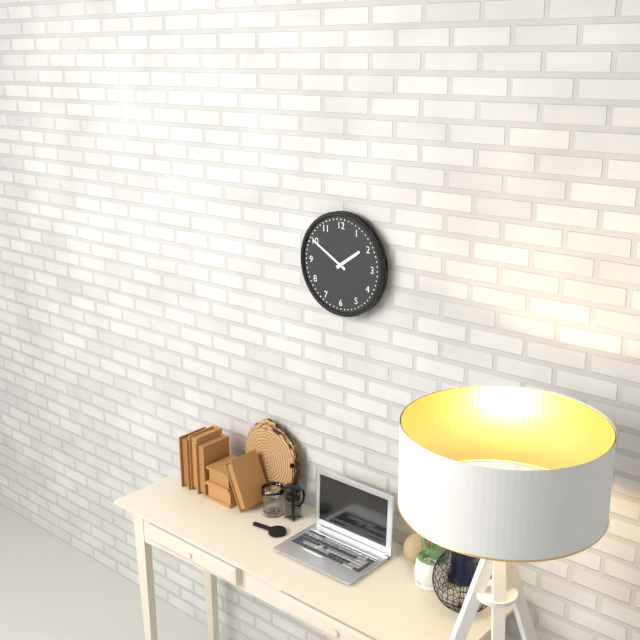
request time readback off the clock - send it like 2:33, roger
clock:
1:50
